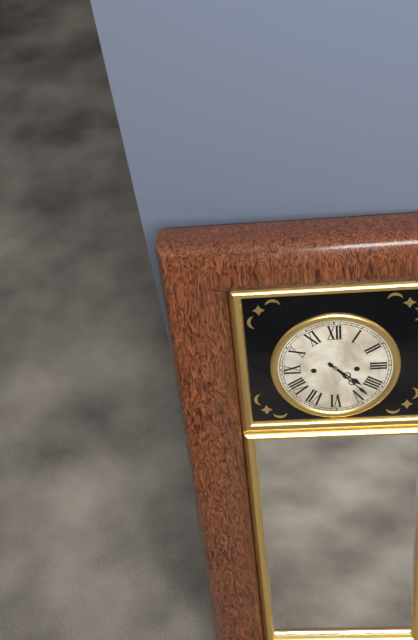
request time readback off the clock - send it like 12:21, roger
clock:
4:23
